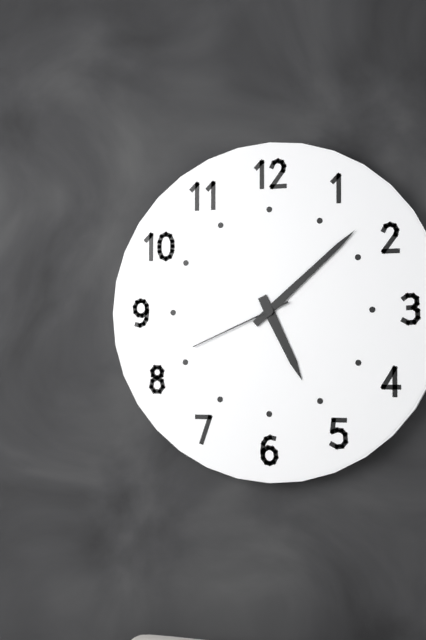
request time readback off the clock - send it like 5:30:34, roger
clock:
5:08:41
